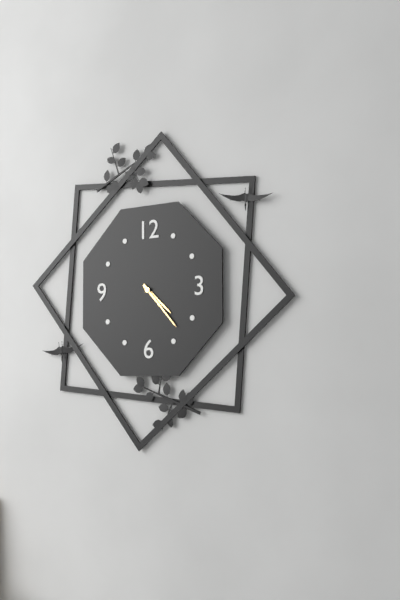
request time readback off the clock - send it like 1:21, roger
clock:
4:23
